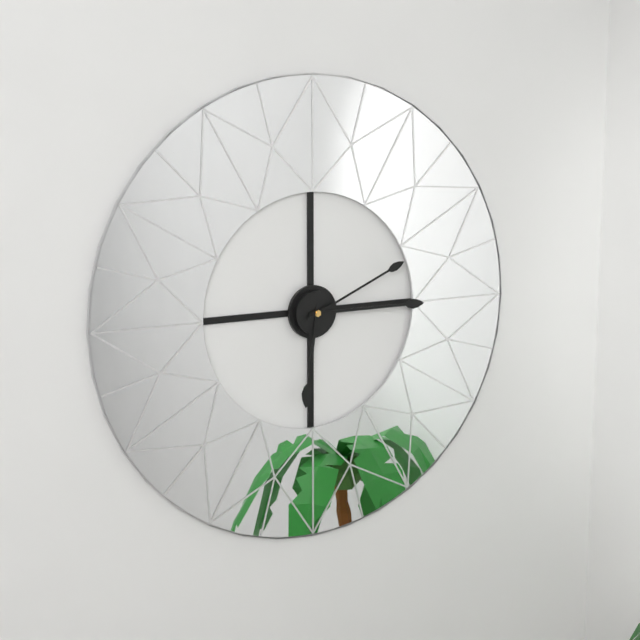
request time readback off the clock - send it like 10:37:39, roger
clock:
6:15:11
